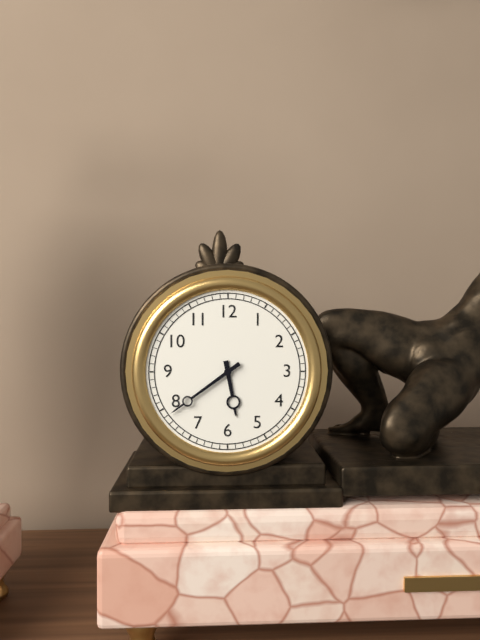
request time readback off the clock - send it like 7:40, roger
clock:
5:39
